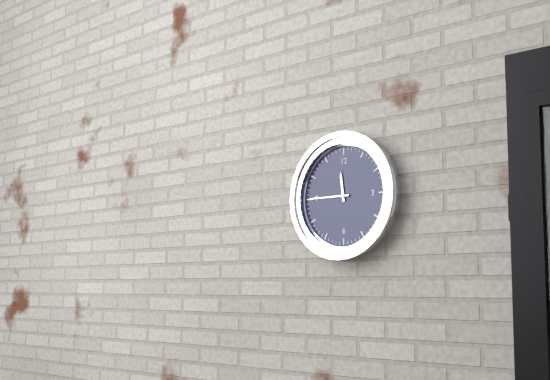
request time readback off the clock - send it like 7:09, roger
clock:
11:45
